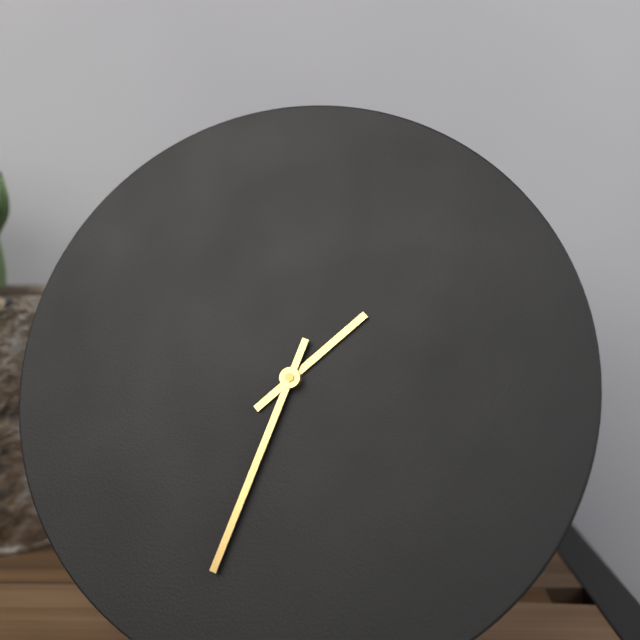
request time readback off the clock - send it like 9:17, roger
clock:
1:33
